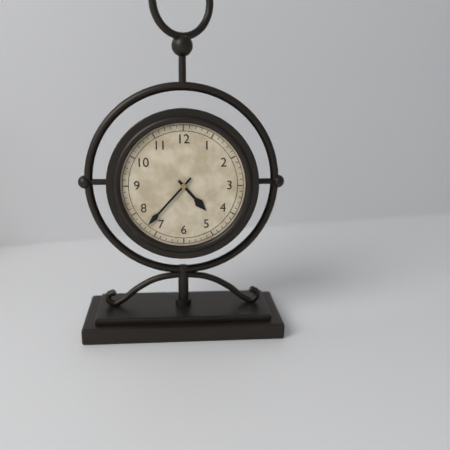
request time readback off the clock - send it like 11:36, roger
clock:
4:37
